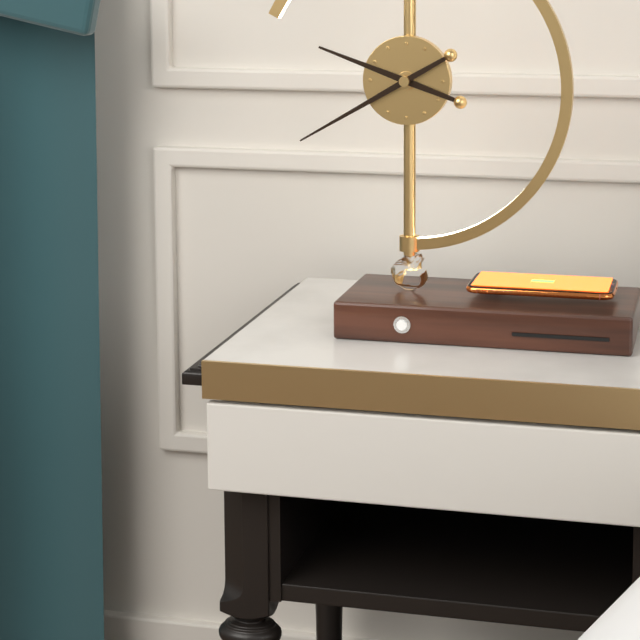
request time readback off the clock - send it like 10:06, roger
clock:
9:40
